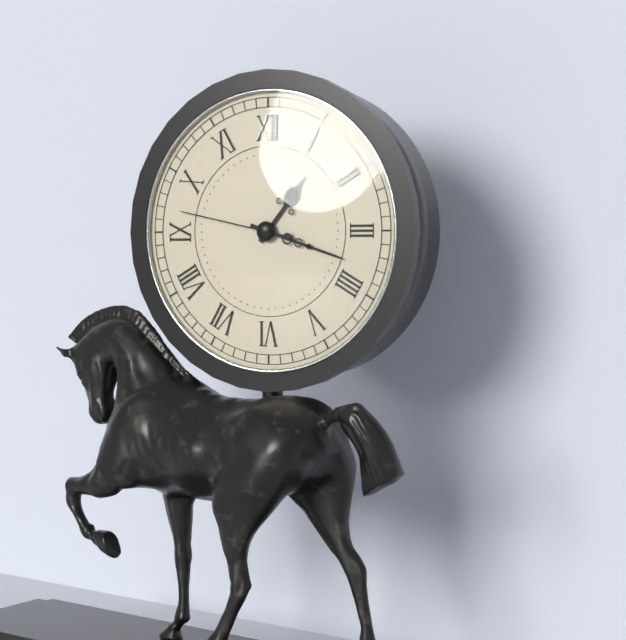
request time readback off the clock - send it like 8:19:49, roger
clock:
1:18:47
